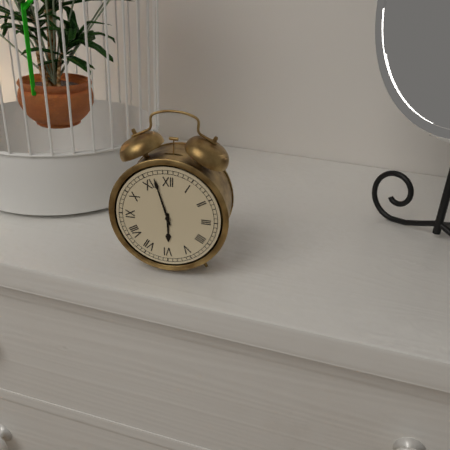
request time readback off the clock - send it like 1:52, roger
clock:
5:57
